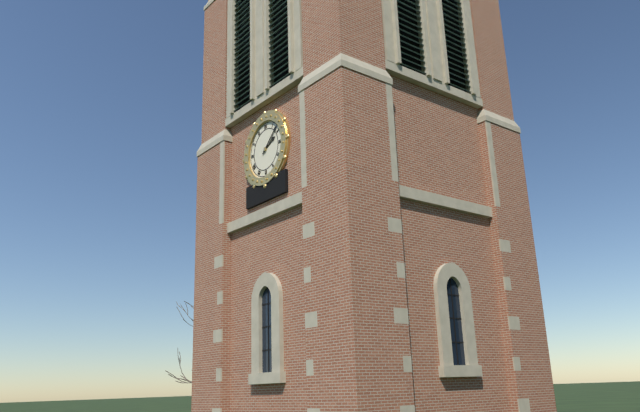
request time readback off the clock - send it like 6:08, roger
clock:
2:08
